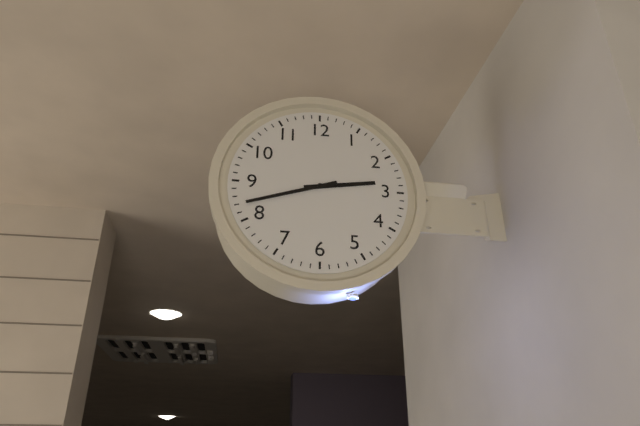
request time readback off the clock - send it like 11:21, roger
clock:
2:42
